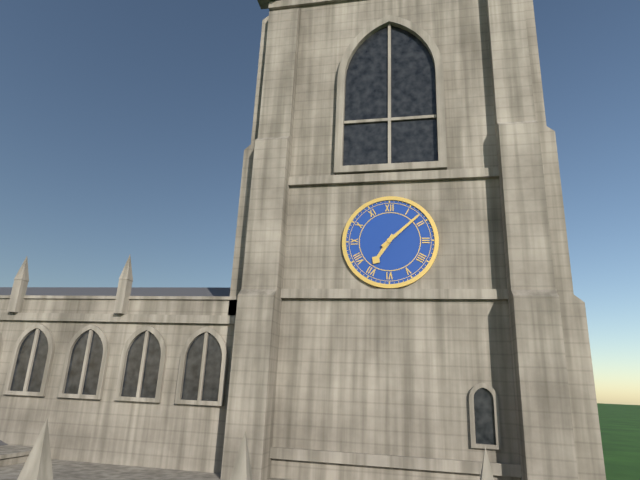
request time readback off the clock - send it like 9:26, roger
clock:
7:08
